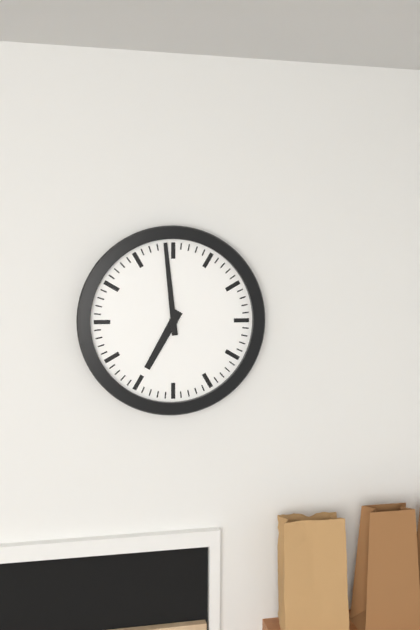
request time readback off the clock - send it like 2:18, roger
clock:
6:59
